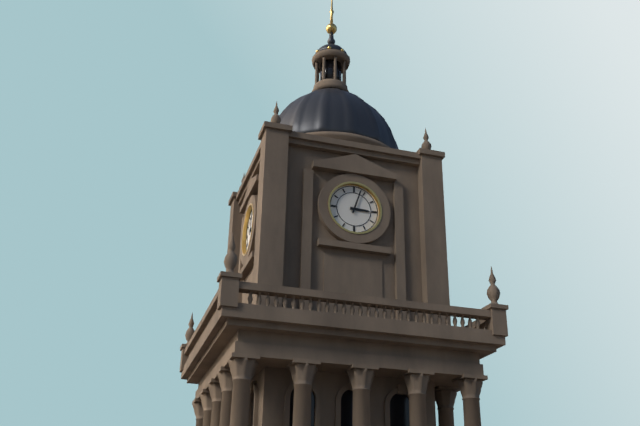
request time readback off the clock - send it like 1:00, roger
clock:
3:03
